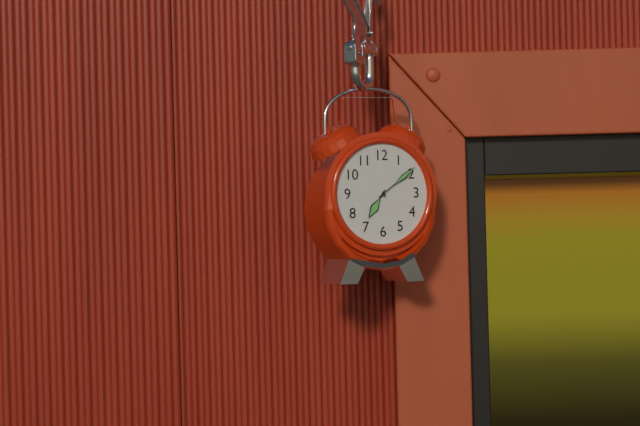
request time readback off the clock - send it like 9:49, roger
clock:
7:09
